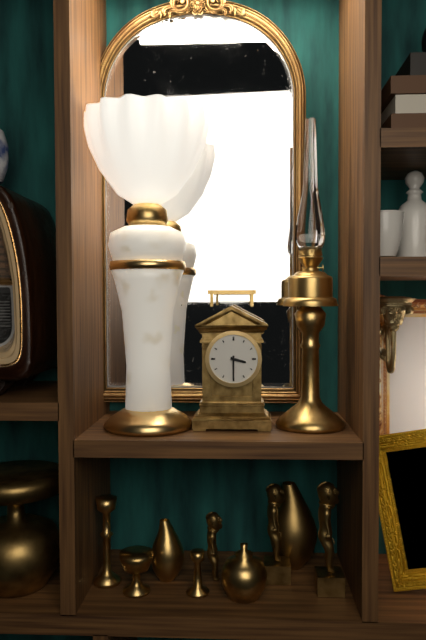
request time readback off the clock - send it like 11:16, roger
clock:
3:30
